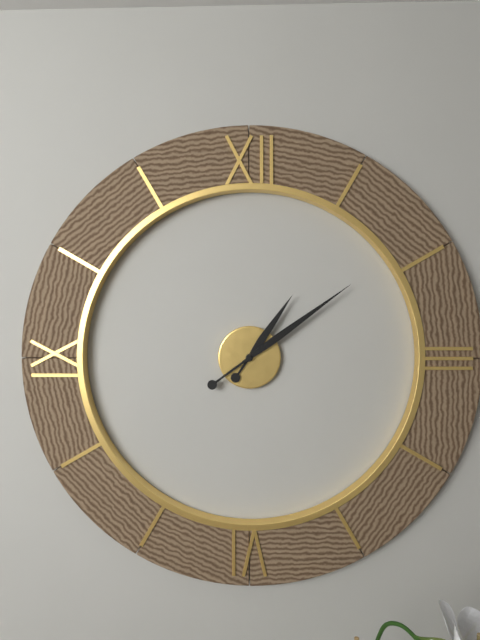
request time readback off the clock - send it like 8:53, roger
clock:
1:09
